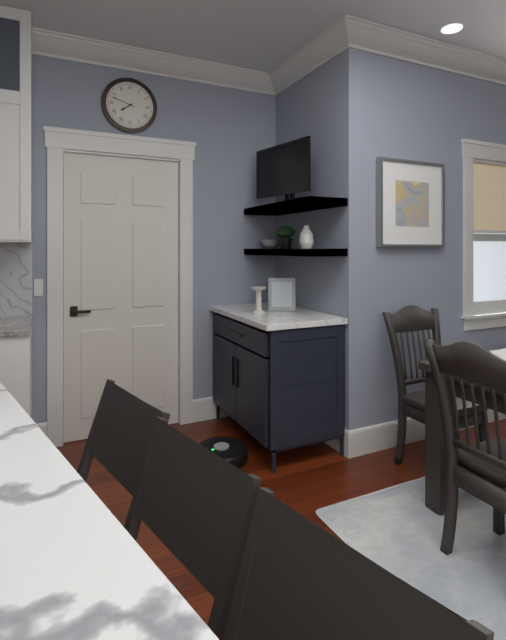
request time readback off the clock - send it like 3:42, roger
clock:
7:48
